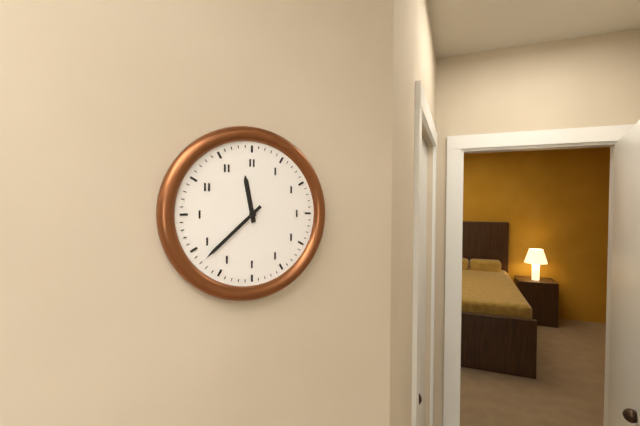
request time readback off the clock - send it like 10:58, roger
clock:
11:38
